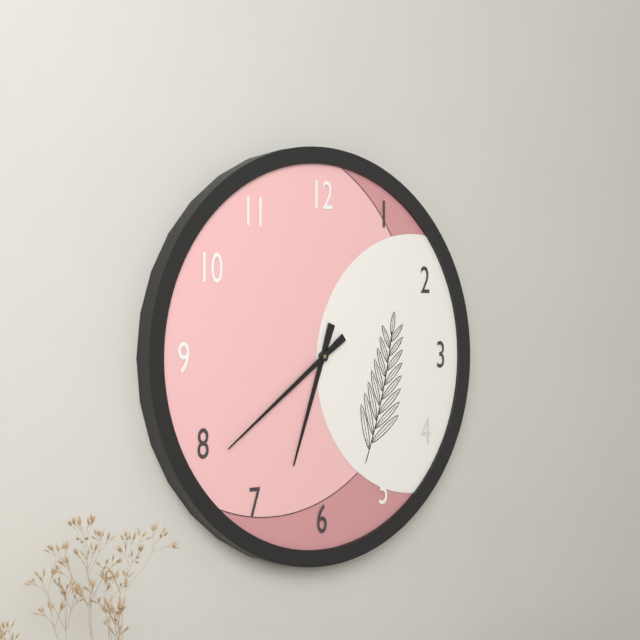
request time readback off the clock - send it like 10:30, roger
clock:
6:39
